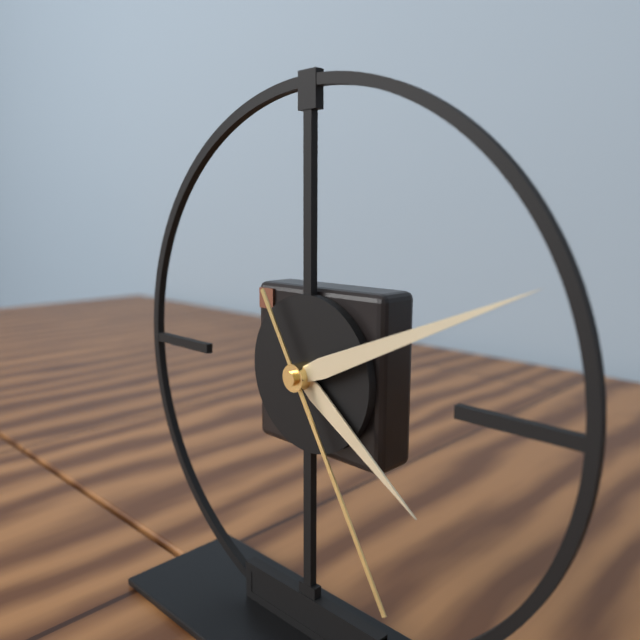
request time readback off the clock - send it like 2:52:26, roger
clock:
4:11:25
